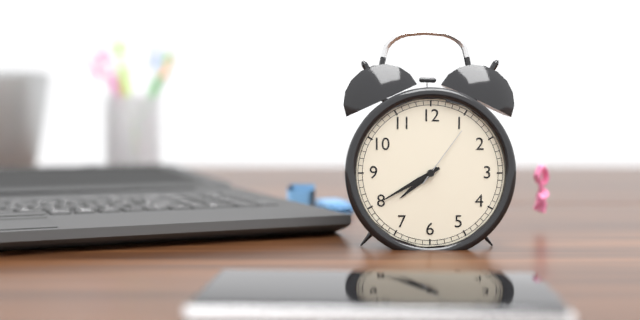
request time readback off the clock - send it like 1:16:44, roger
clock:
7:40:06
